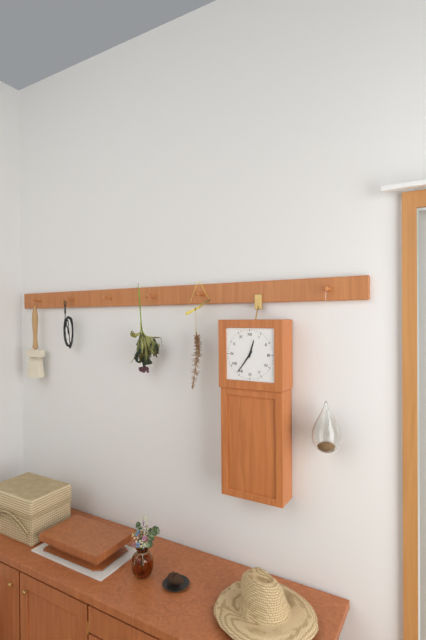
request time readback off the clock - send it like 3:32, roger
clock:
12:36
